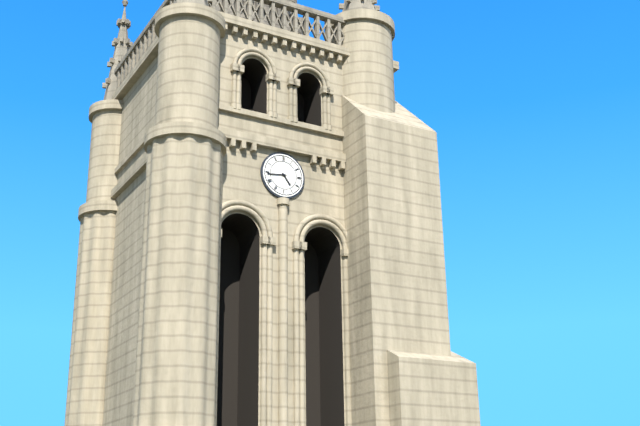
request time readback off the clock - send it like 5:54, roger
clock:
4:44
